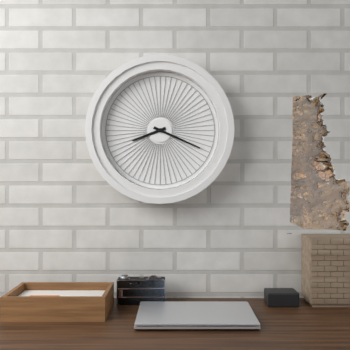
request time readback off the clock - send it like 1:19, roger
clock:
8:19
